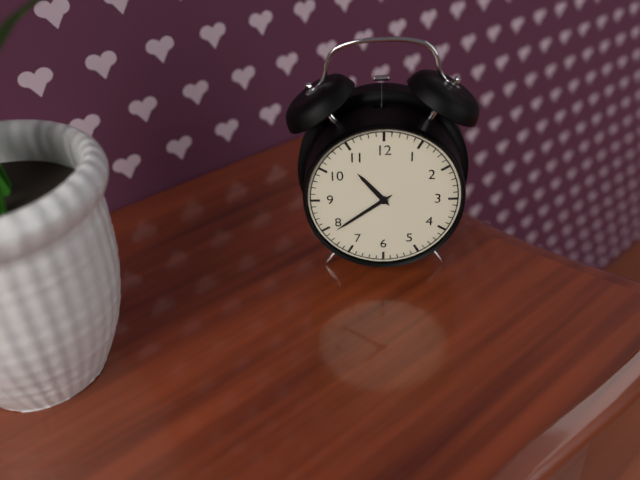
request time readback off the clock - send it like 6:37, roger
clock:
10:39
